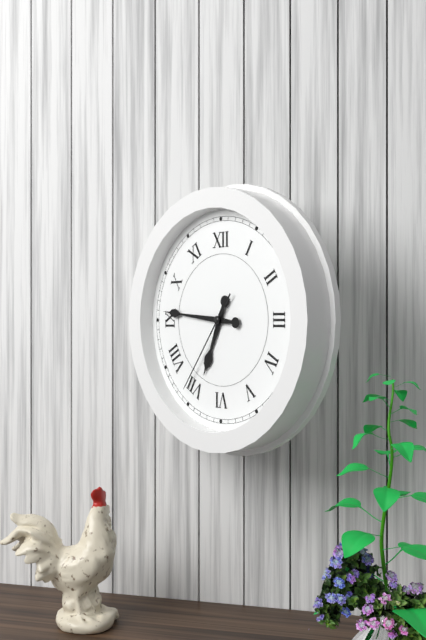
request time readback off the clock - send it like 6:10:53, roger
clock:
6:46:36
